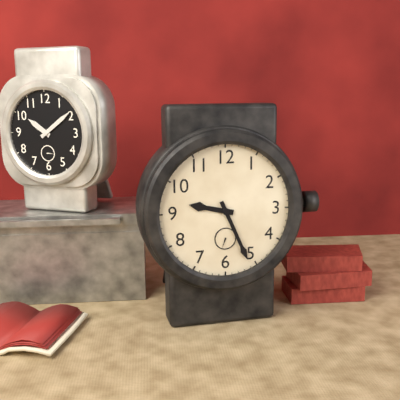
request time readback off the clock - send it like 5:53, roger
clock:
9:26
